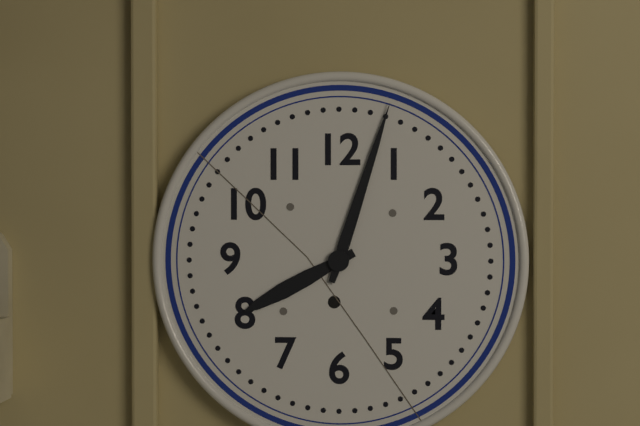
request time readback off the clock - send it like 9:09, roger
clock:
8:03
